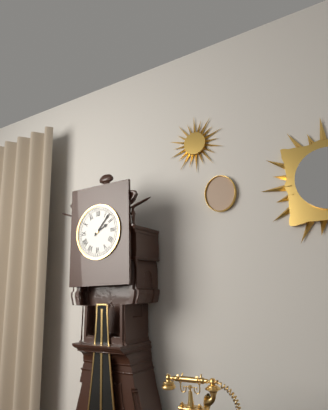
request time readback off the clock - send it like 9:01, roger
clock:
2:07
